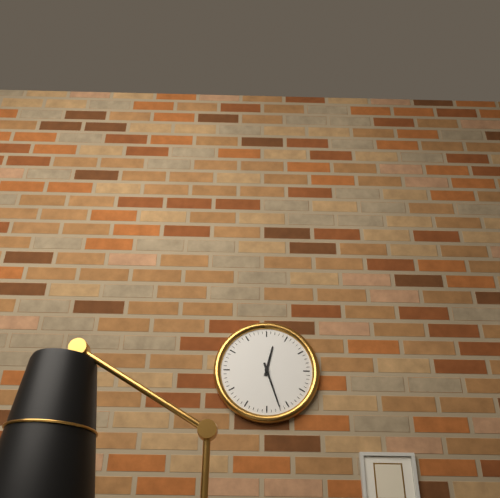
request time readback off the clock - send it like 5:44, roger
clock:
12:27
